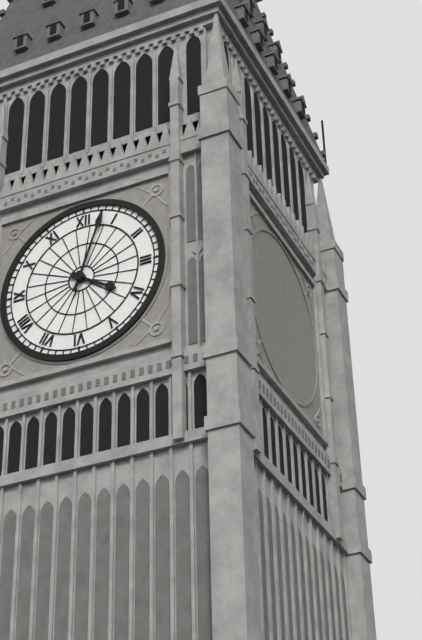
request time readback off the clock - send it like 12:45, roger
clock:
4:03
